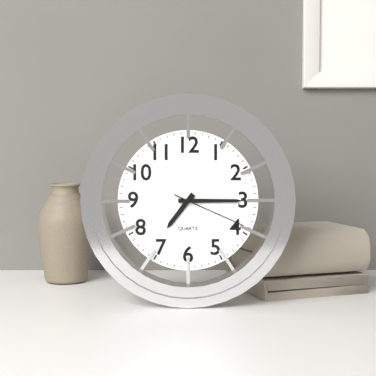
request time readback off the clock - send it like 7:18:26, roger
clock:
7:15:19
